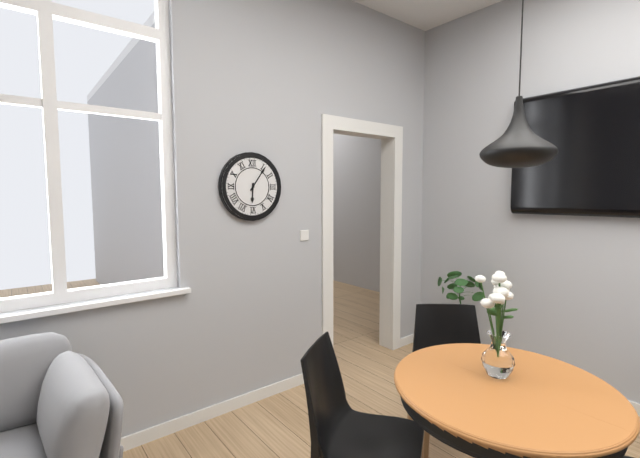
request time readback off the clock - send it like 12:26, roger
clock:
6:06
